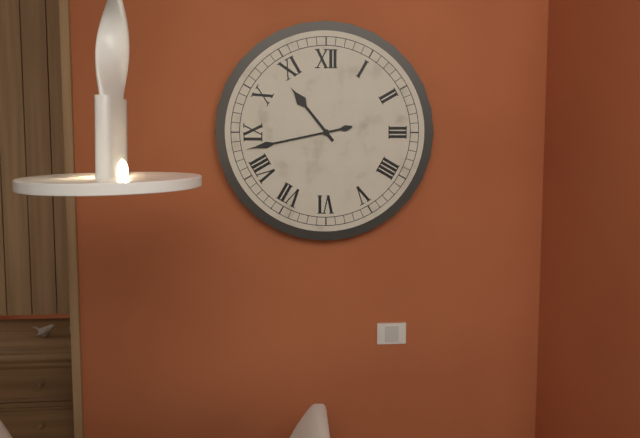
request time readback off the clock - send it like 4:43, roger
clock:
10:43
